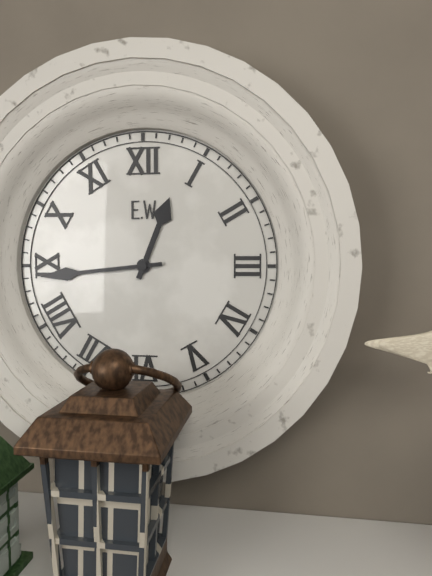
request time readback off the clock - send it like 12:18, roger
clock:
12:44
